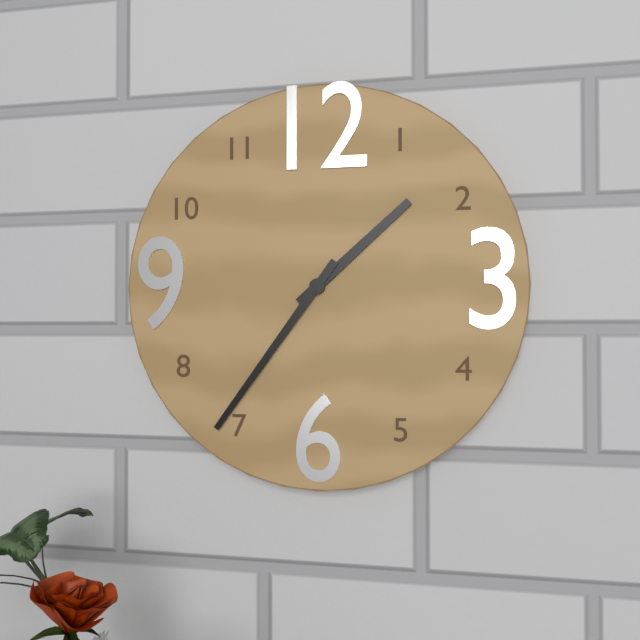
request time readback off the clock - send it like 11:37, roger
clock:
1:36
